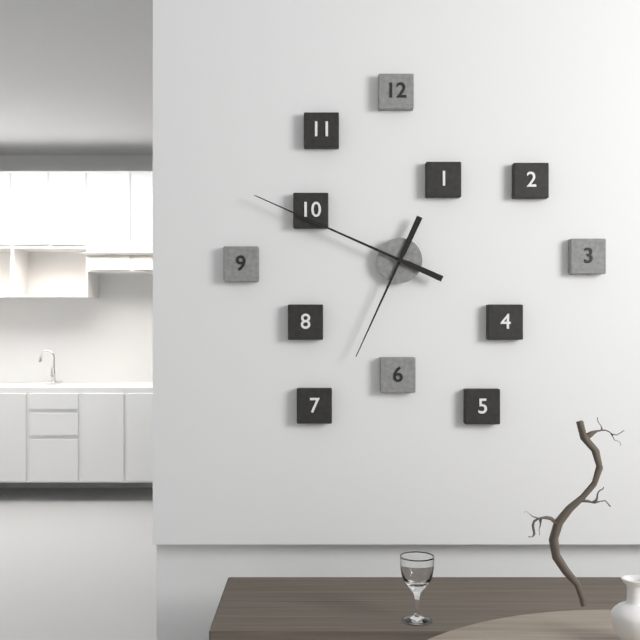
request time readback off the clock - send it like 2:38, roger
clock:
6:49
